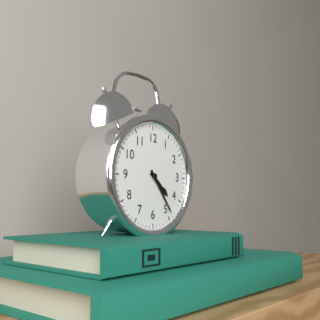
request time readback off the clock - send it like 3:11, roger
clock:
4:24
